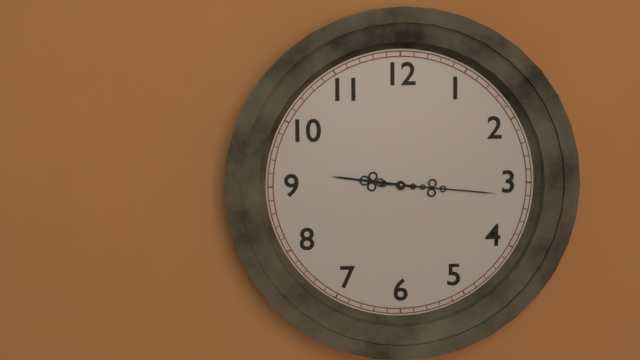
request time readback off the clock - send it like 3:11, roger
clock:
9:16
